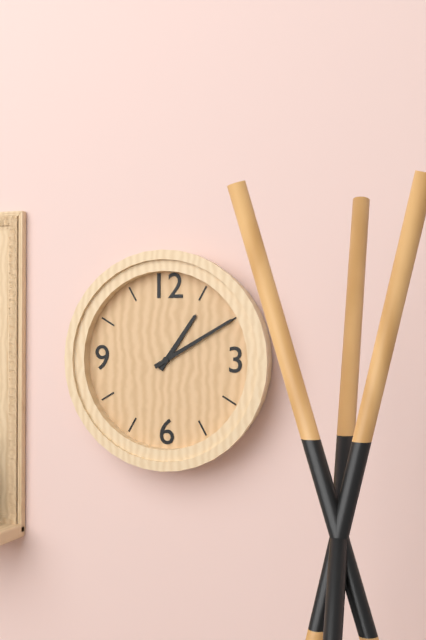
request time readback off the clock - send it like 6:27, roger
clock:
1:10
